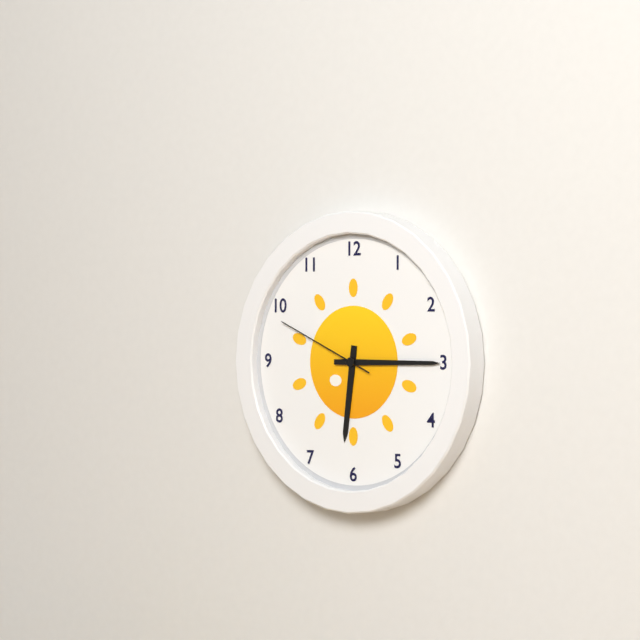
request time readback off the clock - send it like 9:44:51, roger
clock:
6:15:49
